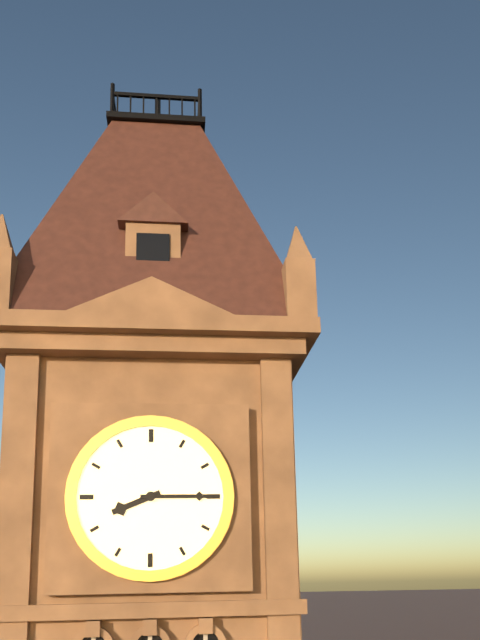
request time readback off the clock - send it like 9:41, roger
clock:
8:15
